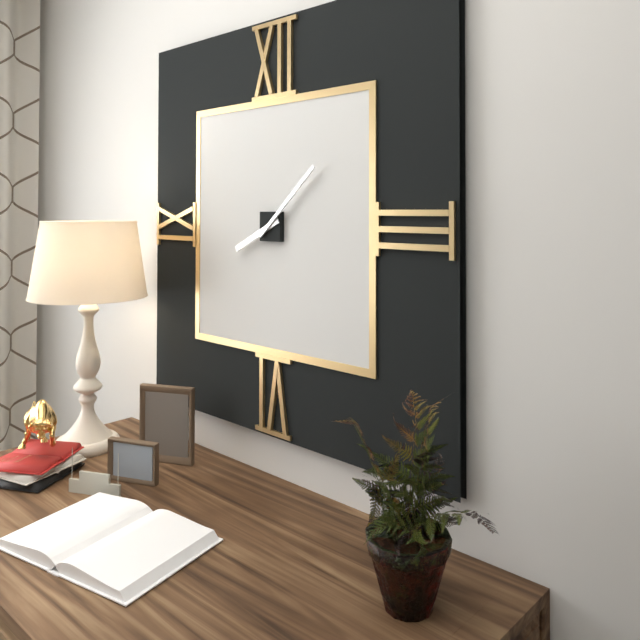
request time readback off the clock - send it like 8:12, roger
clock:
8:08
